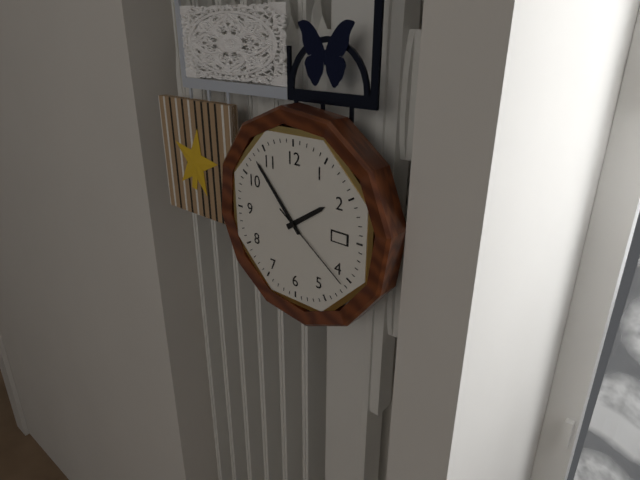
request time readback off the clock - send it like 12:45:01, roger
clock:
1:53:21
